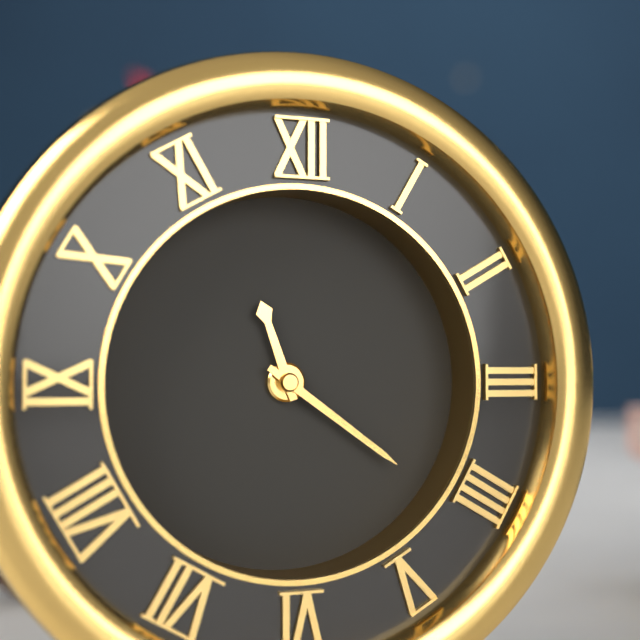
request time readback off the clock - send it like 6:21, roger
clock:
11:21
